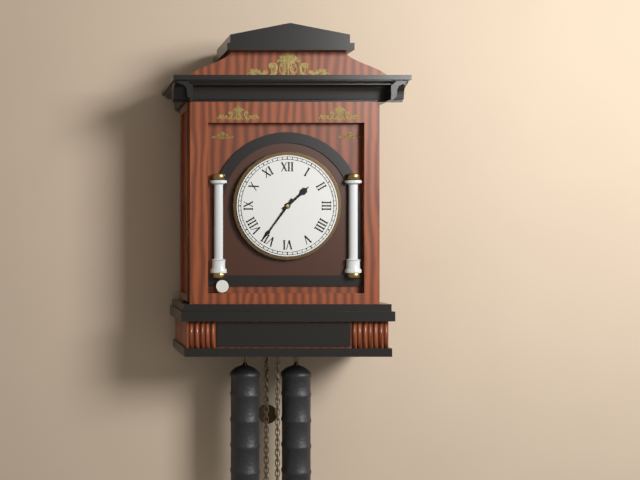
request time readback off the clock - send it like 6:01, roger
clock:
1:36
